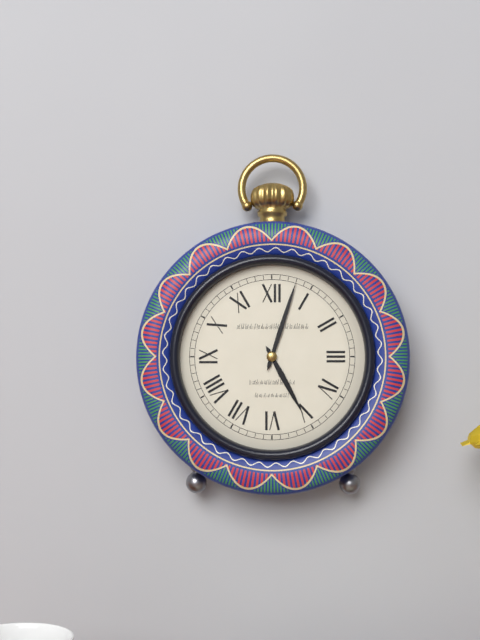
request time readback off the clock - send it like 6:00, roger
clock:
5:03
